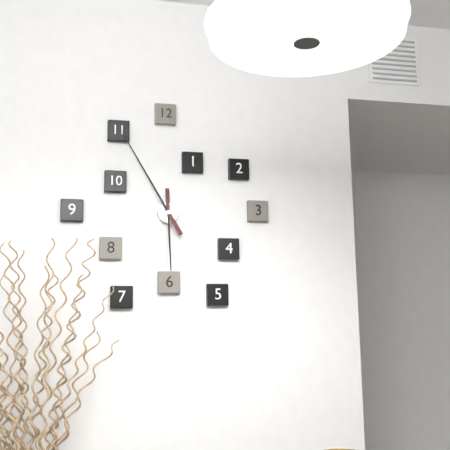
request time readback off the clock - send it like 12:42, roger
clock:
5:55
